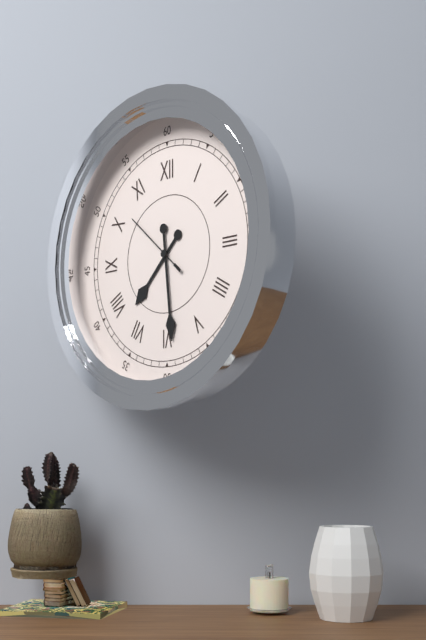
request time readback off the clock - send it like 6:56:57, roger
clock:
7:29:52
